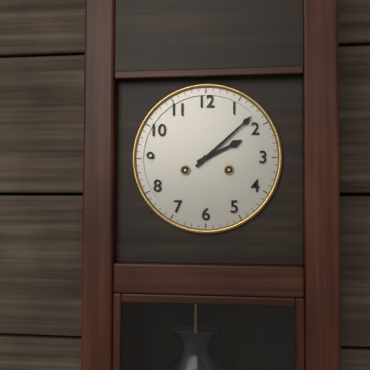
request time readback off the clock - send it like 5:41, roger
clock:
2:08
